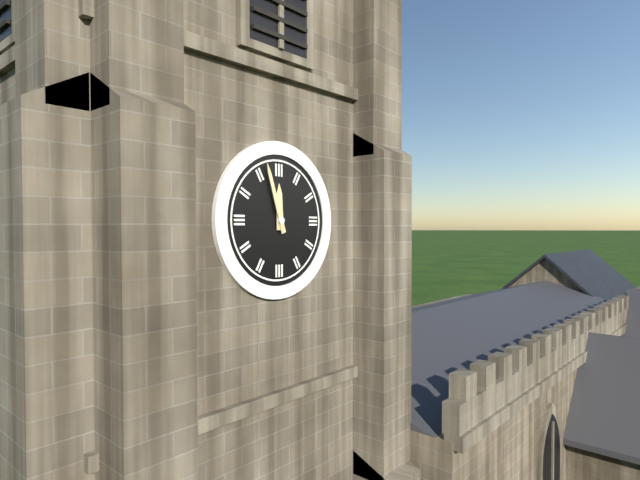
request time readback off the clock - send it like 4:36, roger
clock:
11:57
